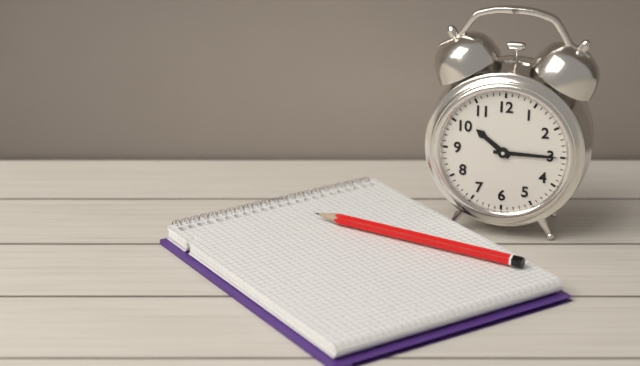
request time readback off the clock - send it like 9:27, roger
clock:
10:15
